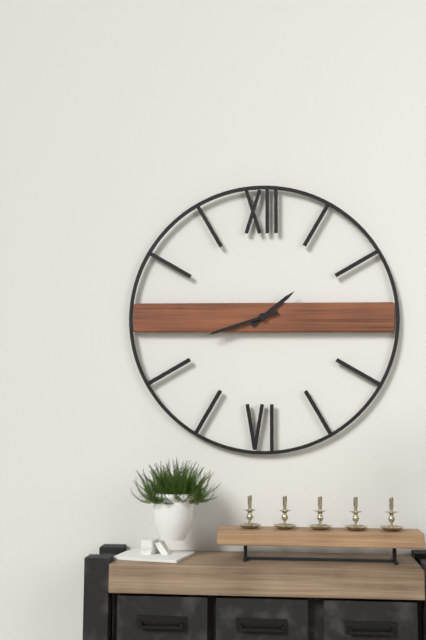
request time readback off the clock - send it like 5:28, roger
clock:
1:42
